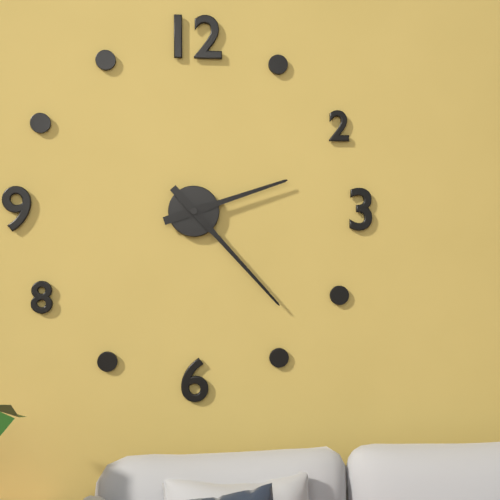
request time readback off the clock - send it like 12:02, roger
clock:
2:23
